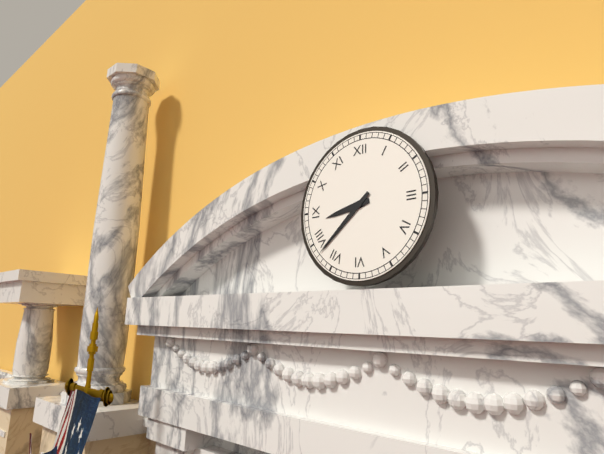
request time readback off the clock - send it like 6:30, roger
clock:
8:38
